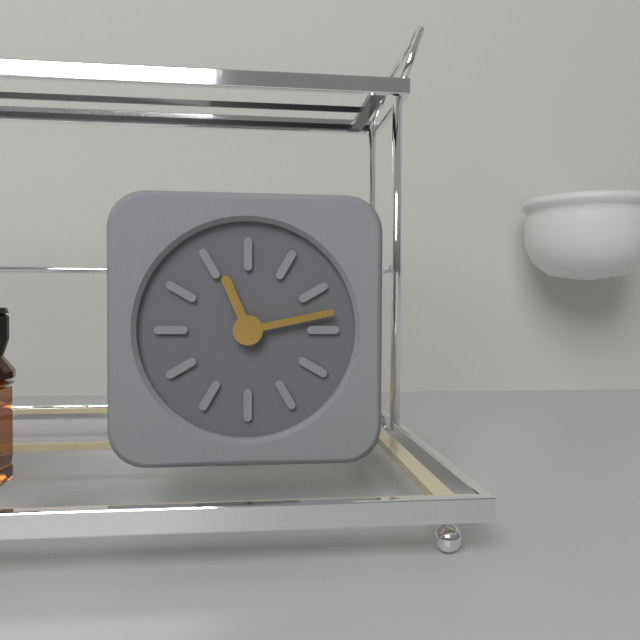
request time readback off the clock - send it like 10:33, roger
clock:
11:13
